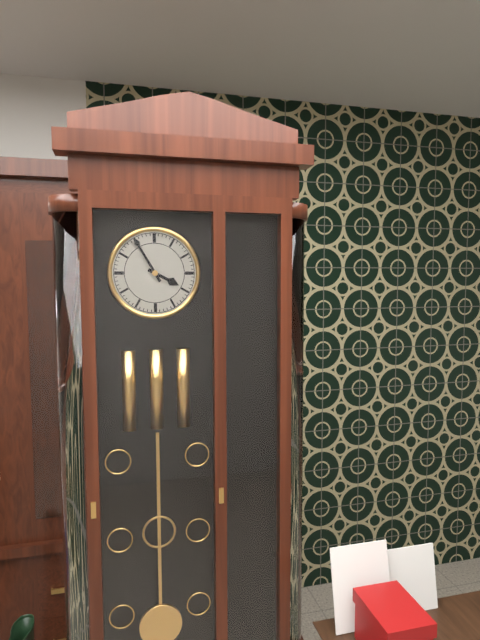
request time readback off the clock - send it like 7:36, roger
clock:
3:55
